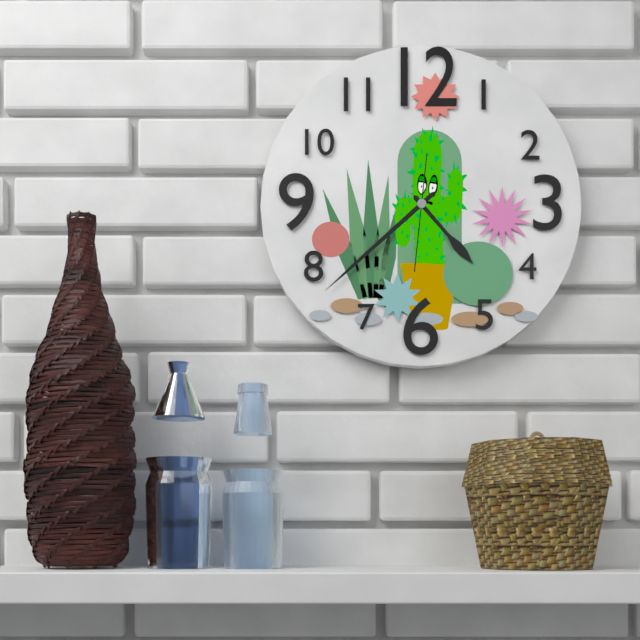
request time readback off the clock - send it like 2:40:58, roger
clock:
4:38:31
